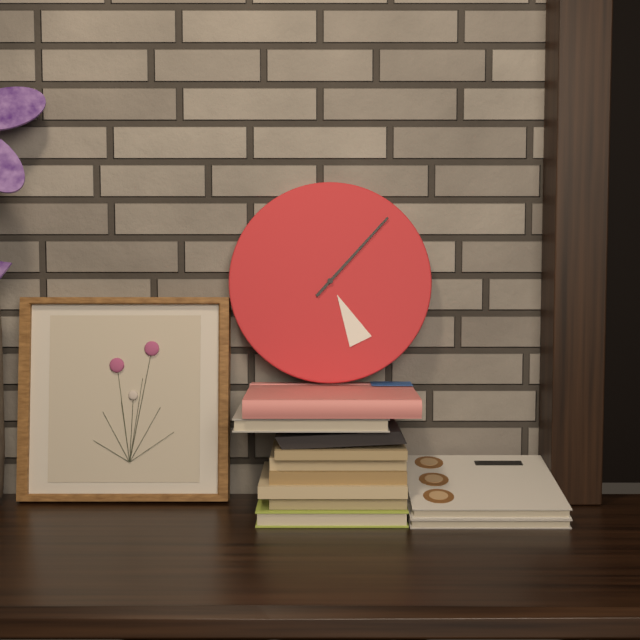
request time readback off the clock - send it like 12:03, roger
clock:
5:07
